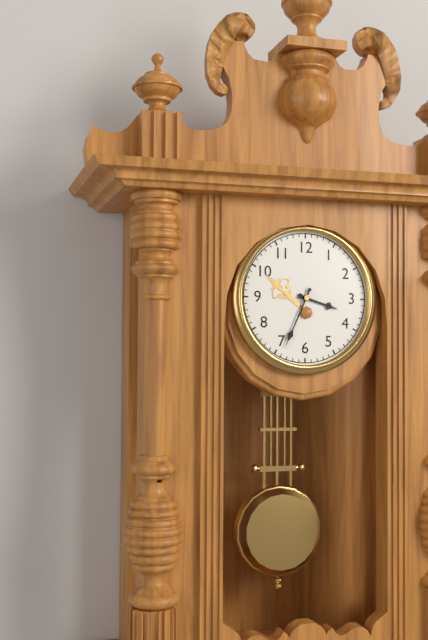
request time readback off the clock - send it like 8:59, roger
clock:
3:34
